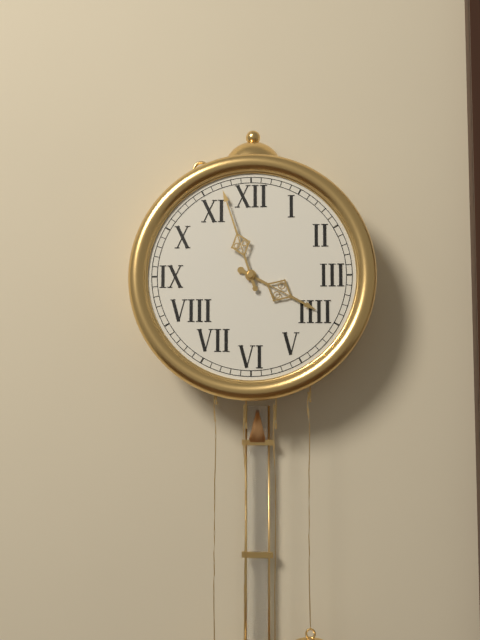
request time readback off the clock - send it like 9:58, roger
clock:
3:57
